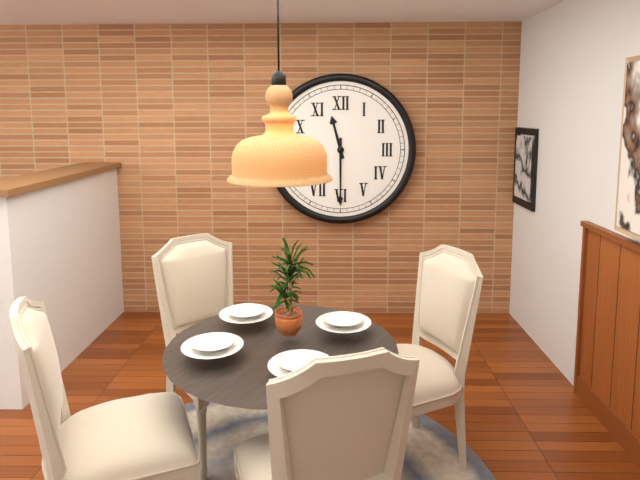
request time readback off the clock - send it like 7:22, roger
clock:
11:30
